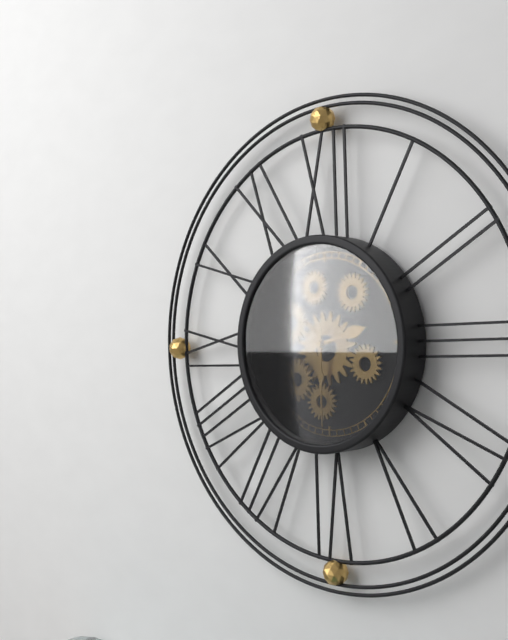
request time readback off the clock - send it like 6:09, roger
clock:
2:30
